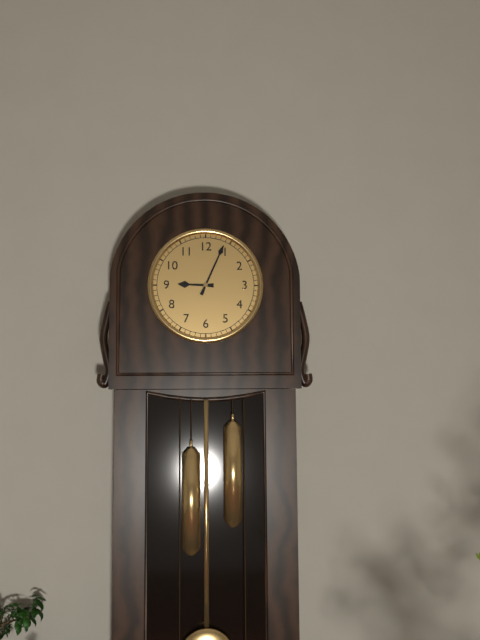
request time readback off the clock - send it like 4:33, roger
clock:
9:04
